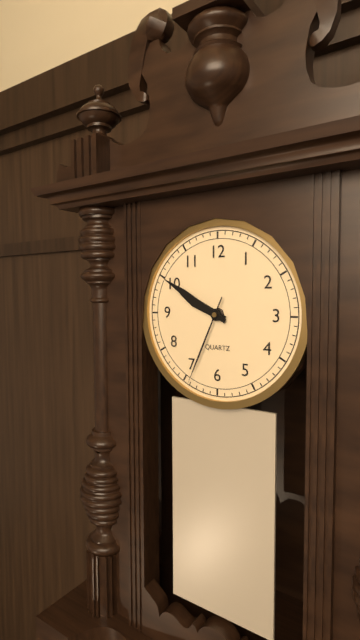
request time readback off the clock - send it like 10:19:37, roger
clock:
9:50:34
